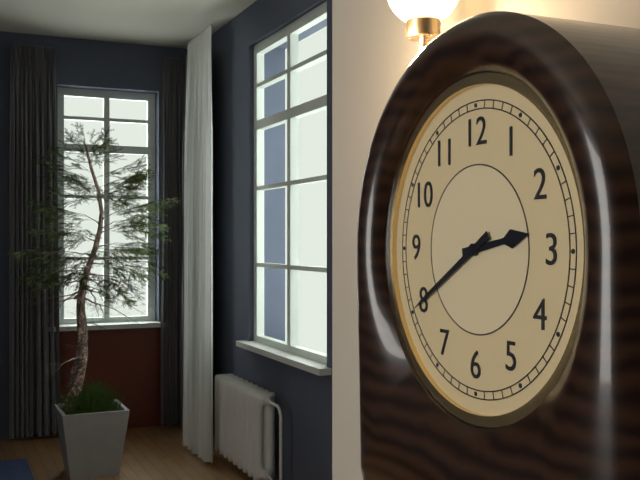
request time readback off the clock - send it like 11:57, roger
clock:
2:40
